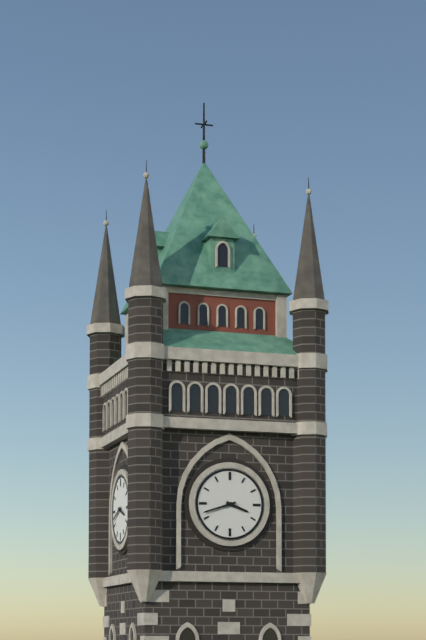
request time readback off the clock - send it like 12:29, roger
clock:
3:42
